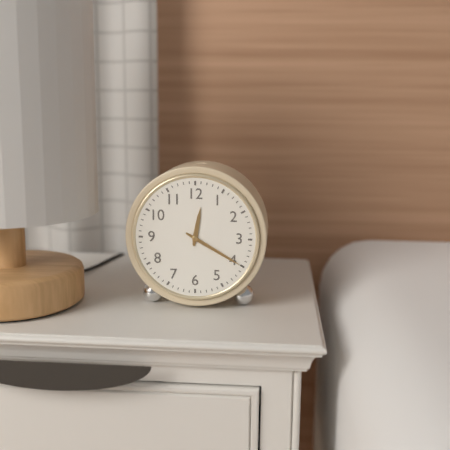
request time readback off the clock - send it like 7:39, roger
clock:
12:20
